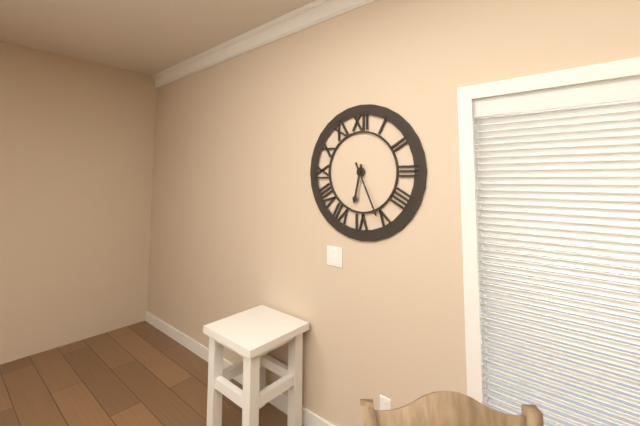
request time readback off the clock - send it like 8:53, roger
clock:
6:26
